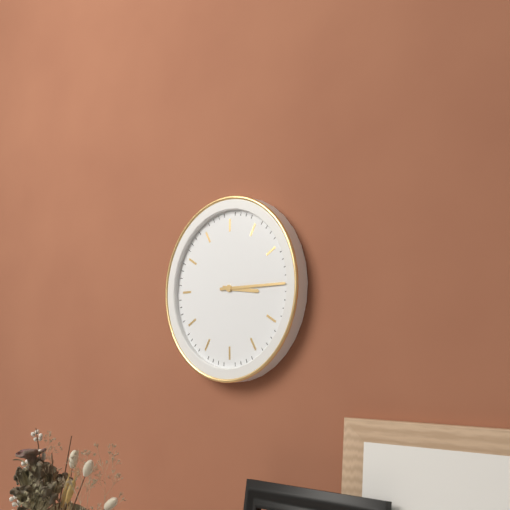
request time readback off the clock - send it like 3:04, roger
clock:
3:15
